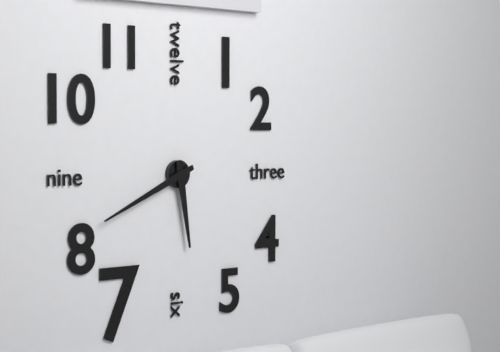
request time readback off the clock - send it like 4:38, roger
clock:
5:41
